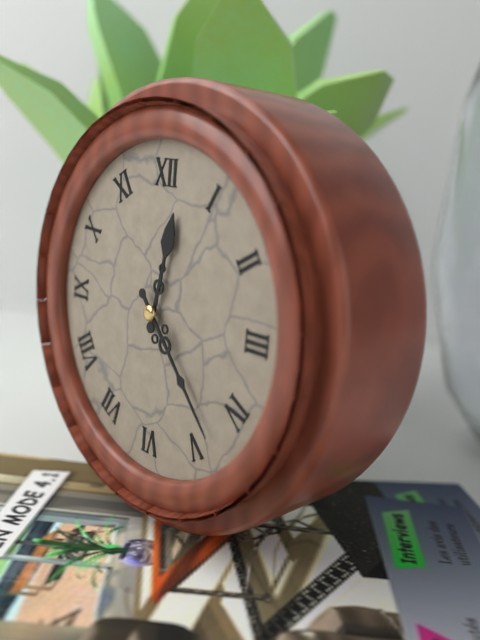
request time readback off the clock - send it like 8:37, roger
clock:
12:23
